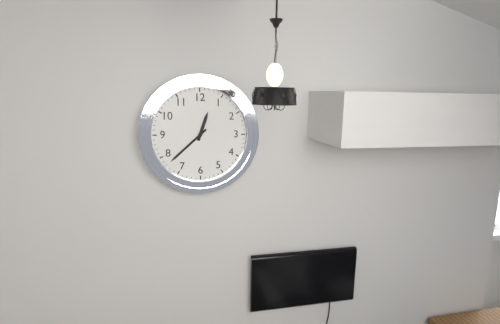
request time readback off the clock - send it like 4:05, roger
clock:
12:38
